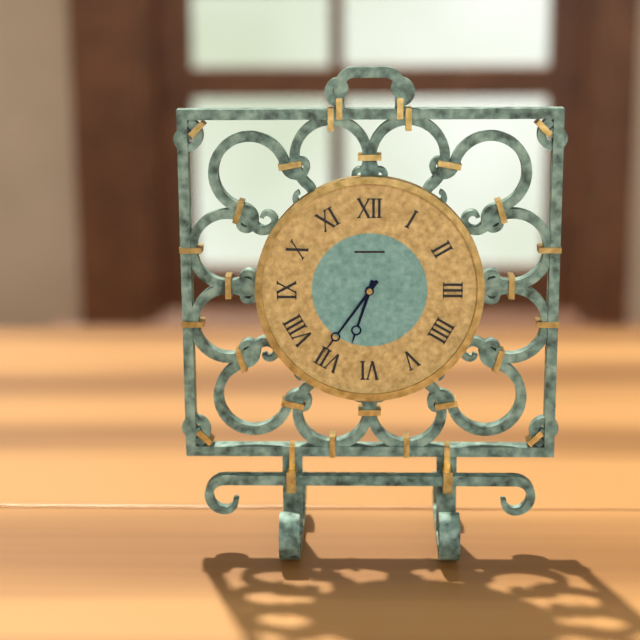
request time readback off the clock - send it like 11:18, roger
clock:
6:36
